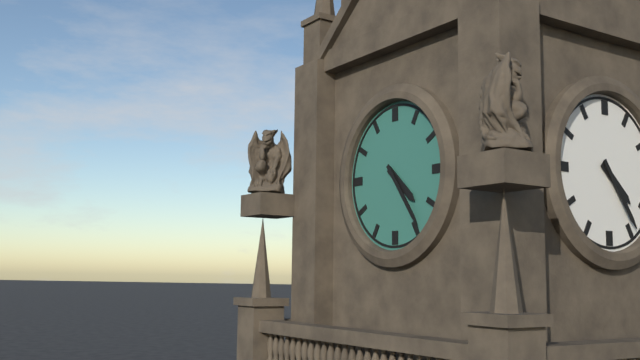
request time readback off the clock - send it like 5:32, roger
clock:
4:24
